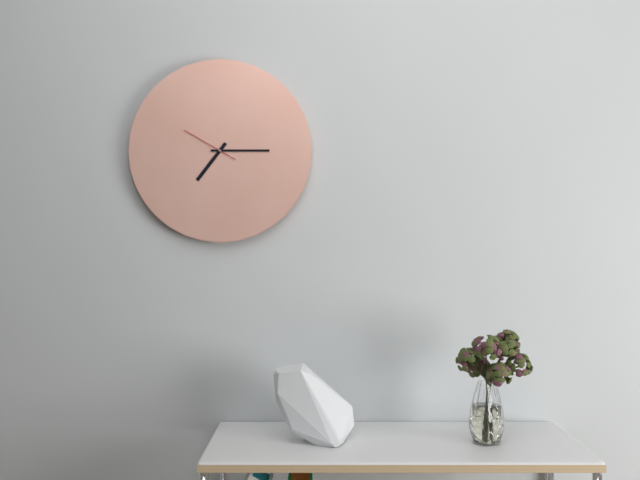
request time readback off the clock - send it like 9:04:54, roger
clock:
7:15:50
